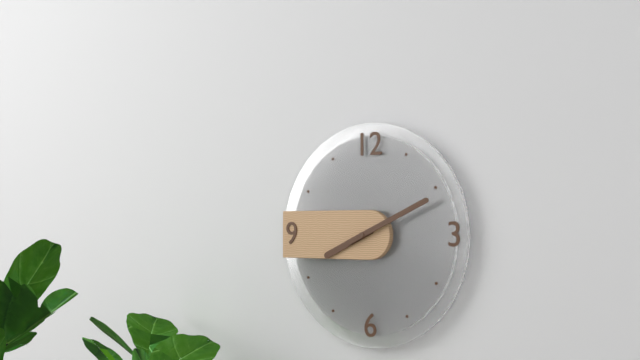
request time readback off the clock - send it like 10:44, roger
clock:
8:11
